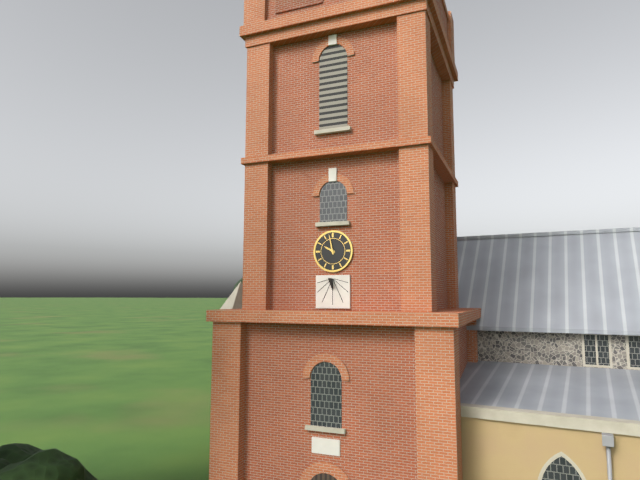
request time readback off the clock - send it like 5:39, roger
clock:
9:58
